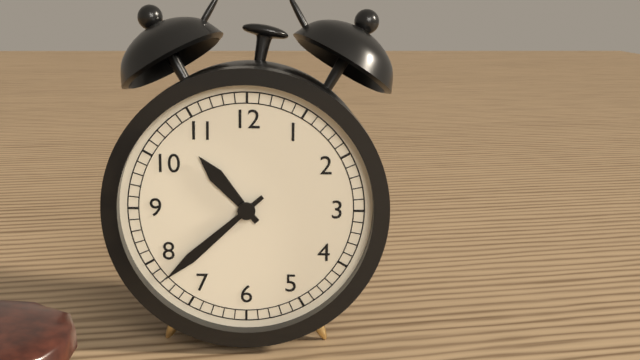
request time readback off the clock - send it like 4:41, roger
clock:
10:38
